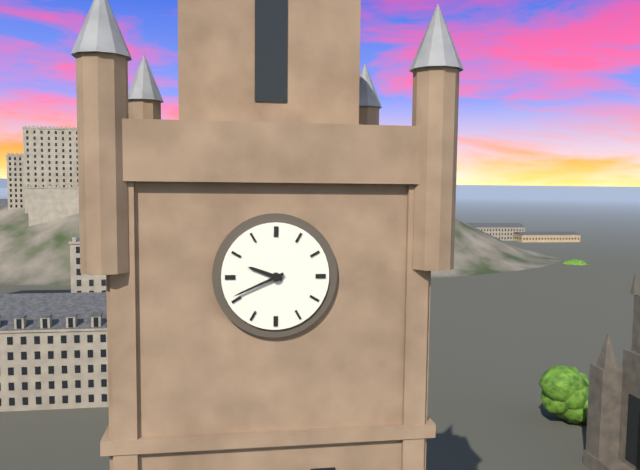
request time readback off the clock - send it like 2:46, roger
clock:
9:41
